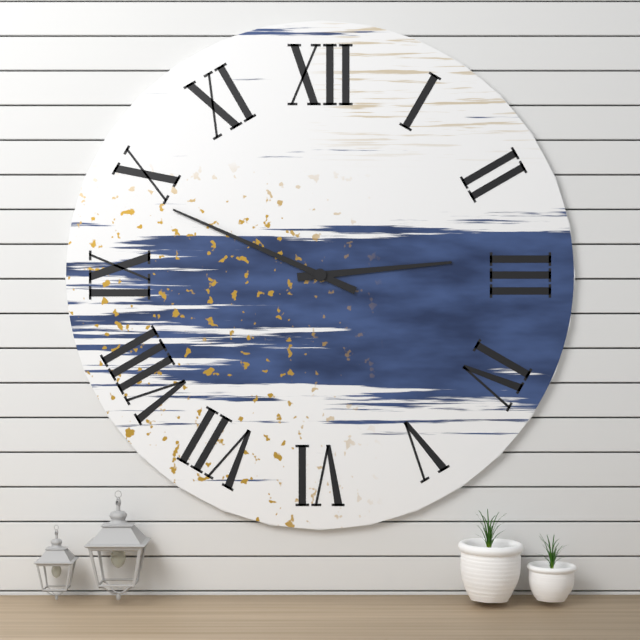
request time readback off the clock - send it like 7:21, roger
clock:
2:49
